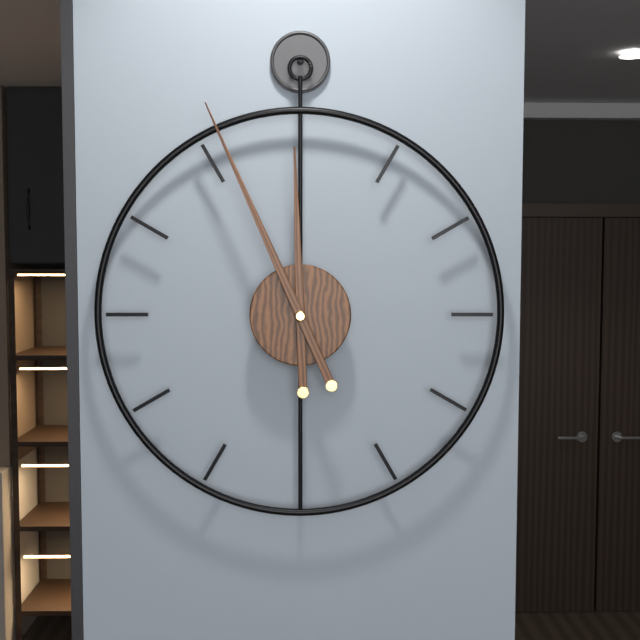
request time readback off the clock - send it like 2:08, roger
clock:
11:56
